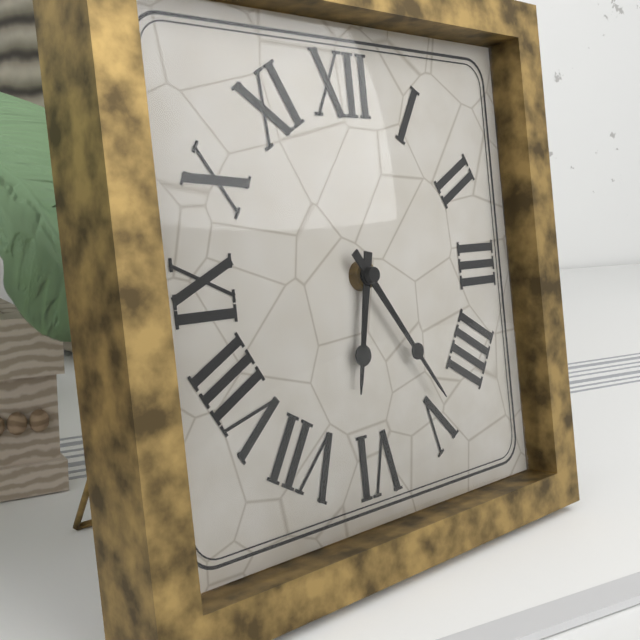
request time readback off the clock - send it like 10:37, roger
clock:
6:24
